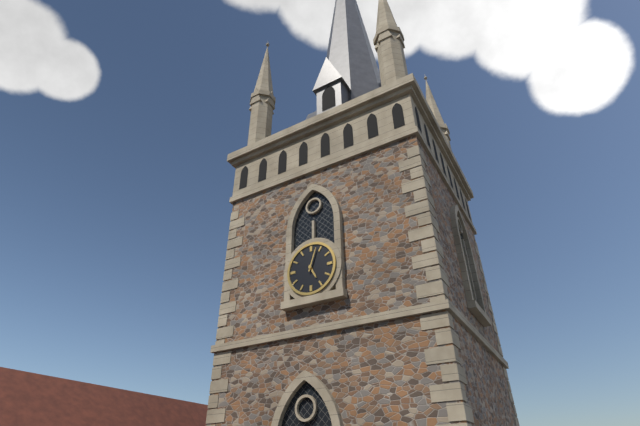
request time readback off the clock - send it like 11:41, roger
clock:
5:03
